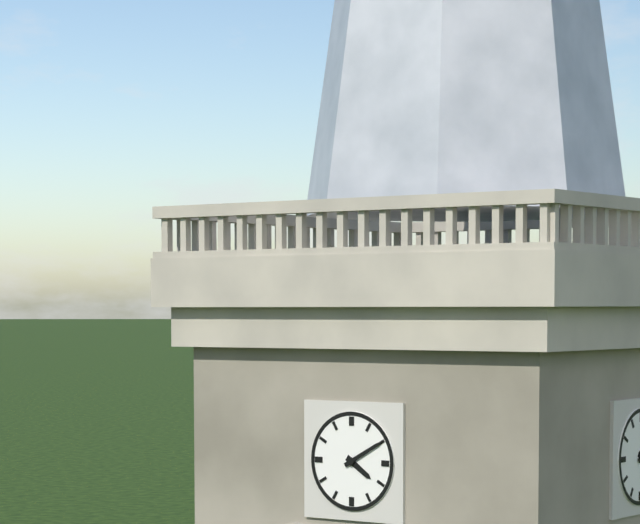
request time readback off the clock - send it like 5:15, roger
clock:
4:10
